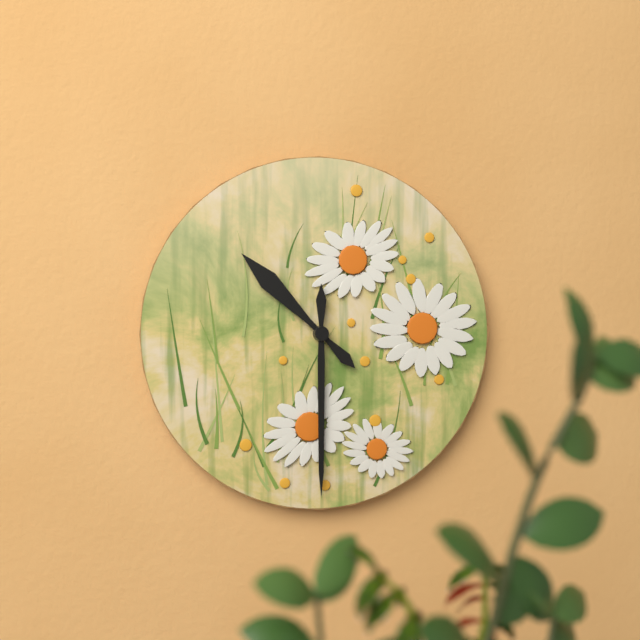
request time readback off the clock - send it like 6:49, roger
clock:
10:30
